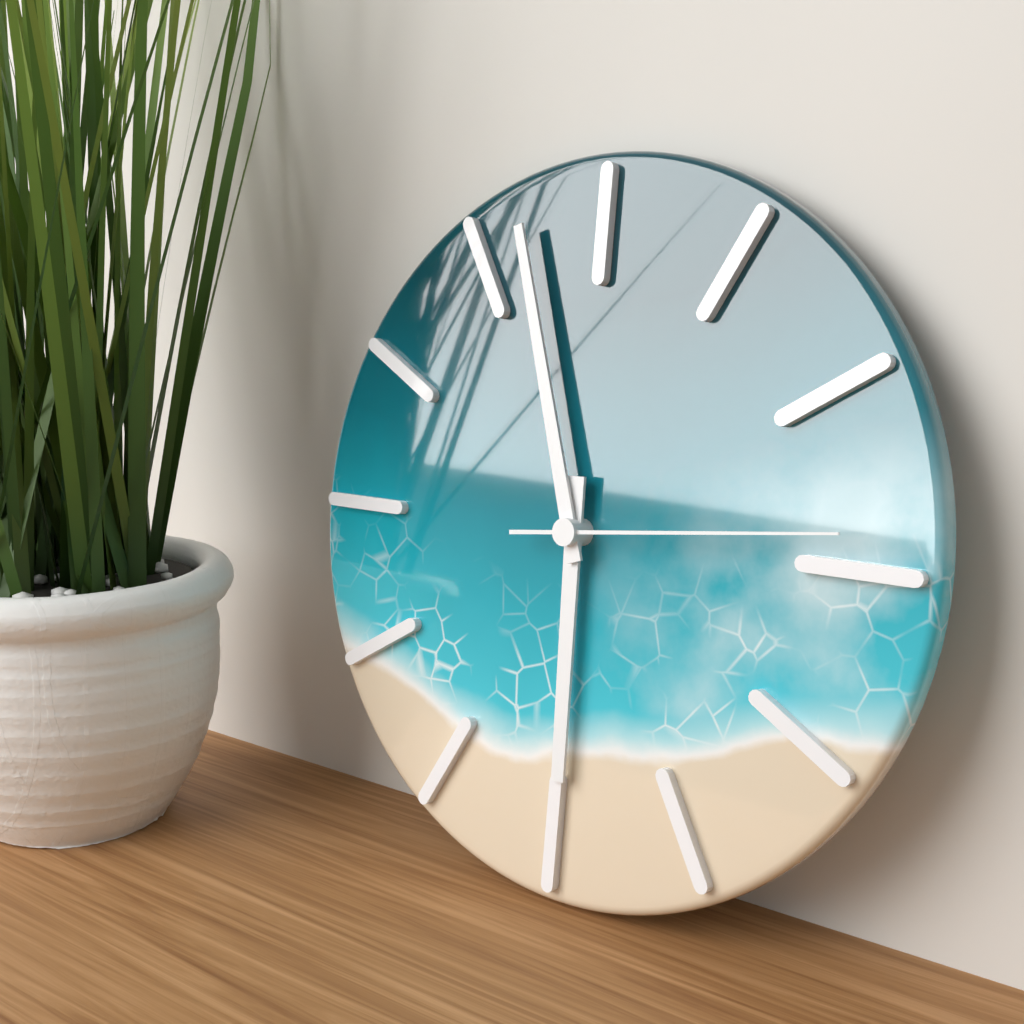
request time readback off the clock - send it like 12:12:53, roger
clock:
5:57:14
